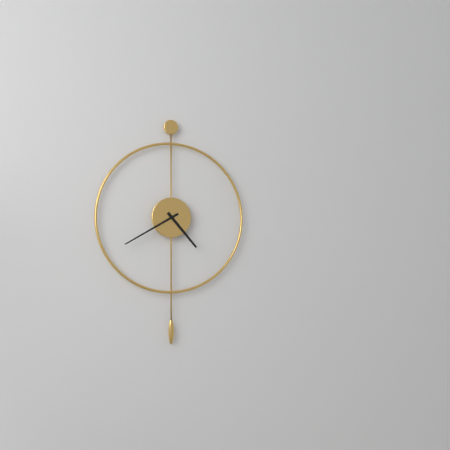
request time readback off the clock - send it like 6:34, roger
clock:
4:40
